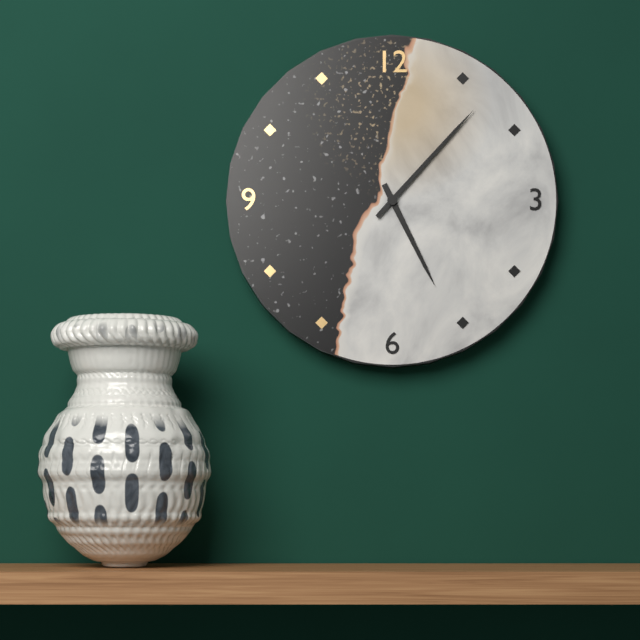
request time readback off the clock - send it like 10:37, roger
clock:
5:07
